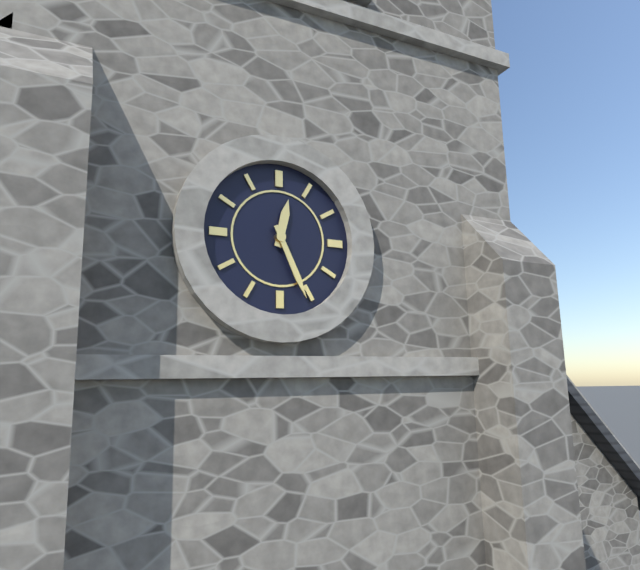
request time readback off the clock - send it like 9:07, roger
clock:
12:26
